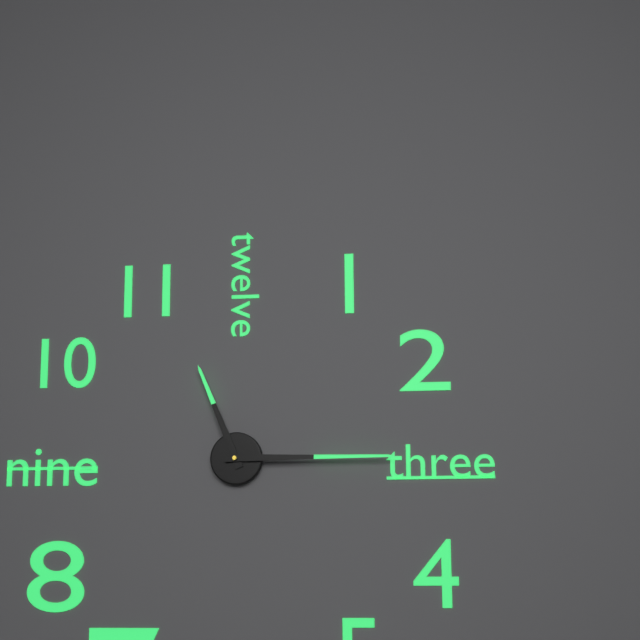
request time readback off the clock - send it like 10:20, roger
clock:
11:15
